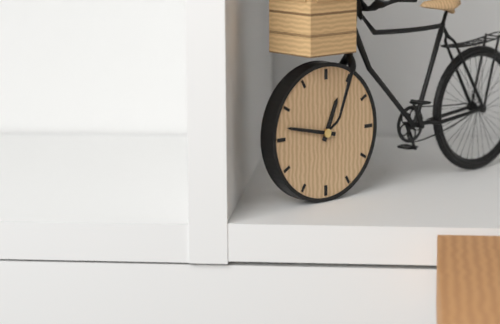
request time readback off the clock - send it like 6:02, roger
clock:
12:47
